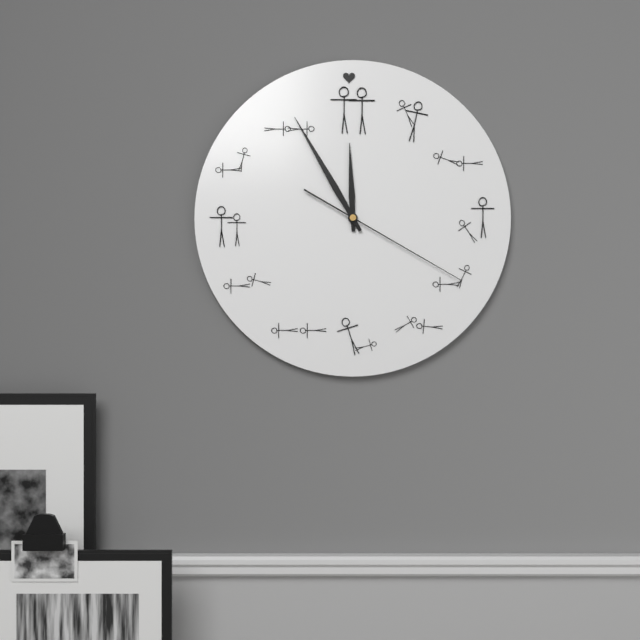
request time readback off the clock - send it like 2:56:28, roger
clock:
11:55:20
